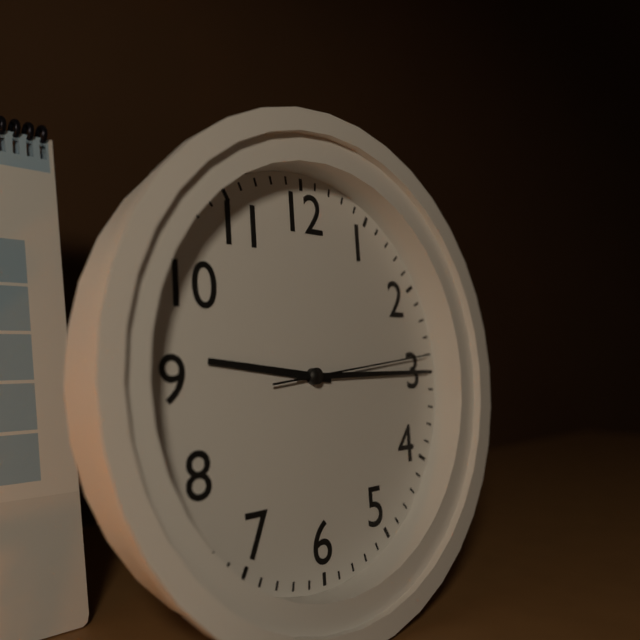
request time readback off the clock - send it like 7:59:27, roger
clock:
9:15:14
